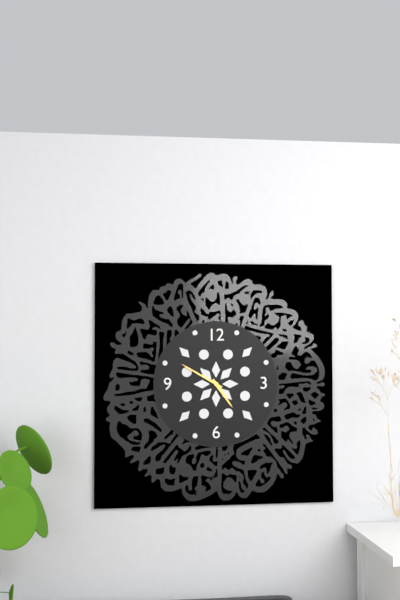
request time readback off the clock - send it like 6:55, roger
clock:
4:50
